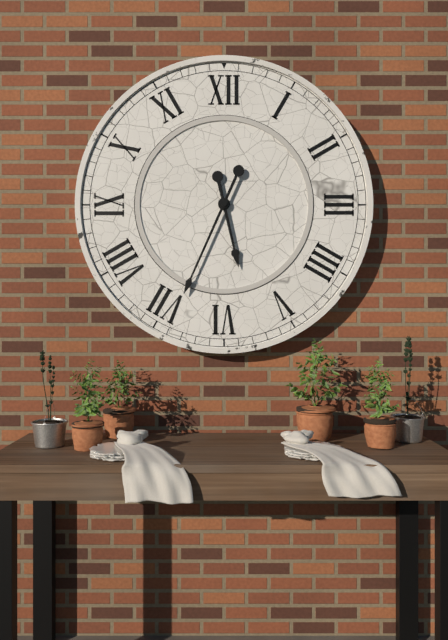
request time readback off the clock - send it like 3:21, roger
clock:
5:34
